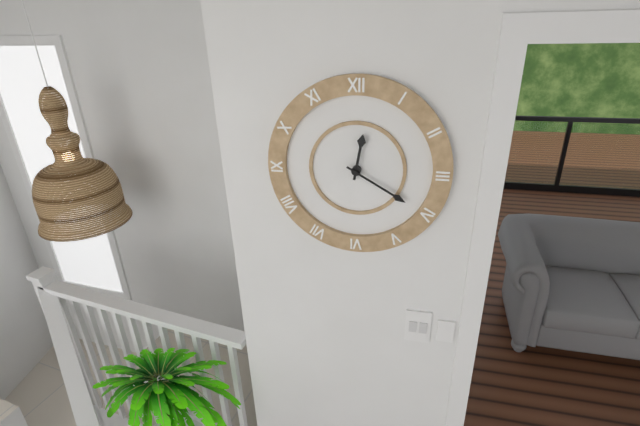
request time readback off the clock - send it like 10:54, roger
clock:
12:20
